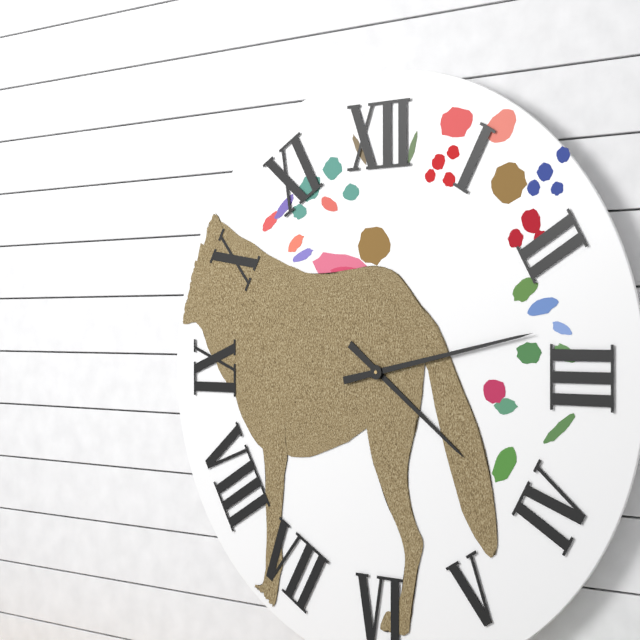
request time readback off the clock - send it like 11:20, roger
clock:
4:13
